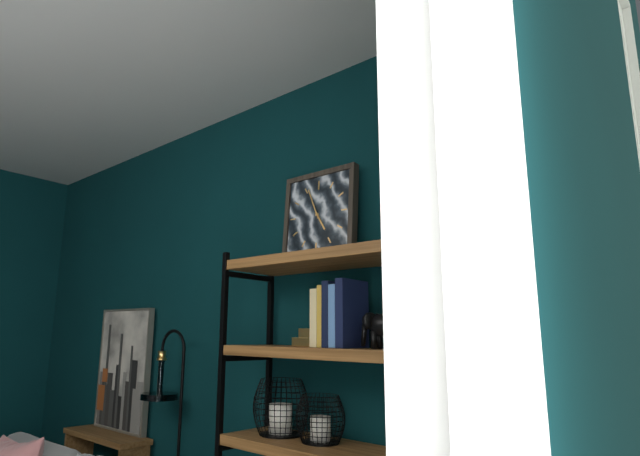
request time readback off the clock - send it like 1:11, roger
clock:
4:56
